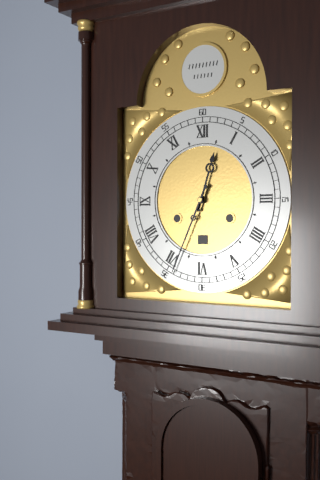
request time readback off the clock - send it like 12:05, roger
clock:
12:34
